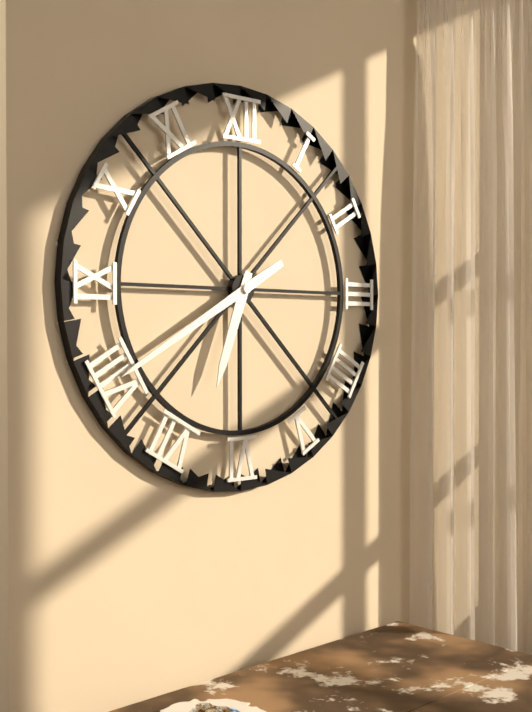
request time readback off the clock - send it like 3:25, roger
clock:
6:40
